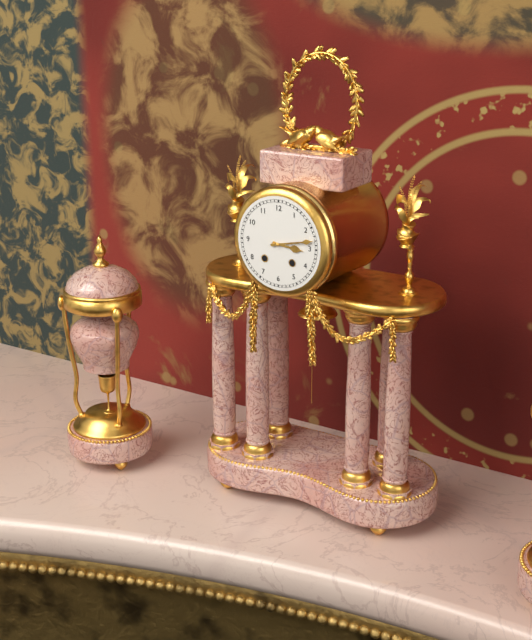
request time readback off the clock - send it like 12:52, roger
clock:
3:13
